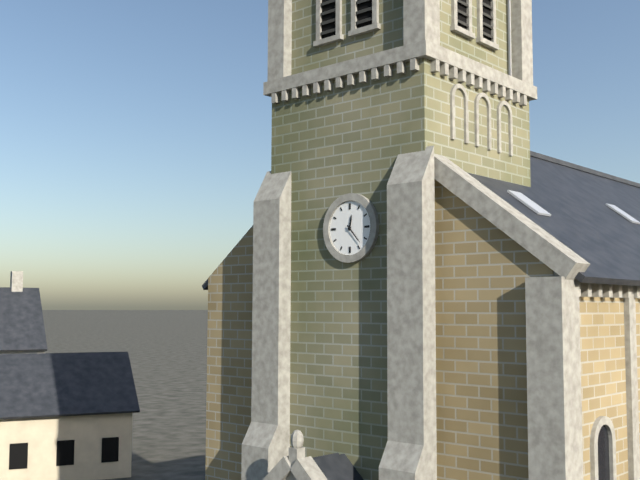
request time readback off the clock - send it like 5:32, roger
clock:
12:23
